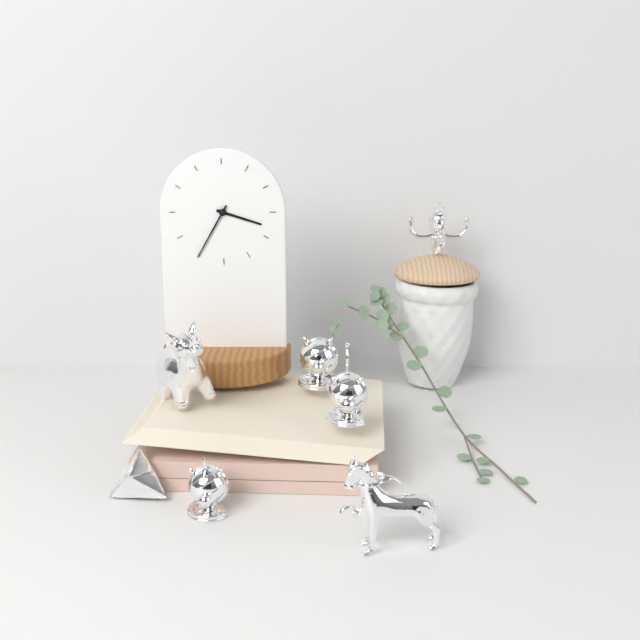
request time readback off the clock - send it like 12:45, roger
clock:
3:35
